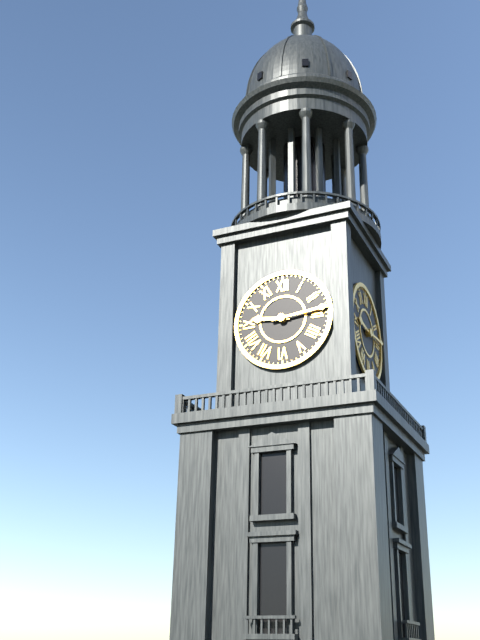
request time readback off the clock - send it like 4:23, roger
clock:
9:14
